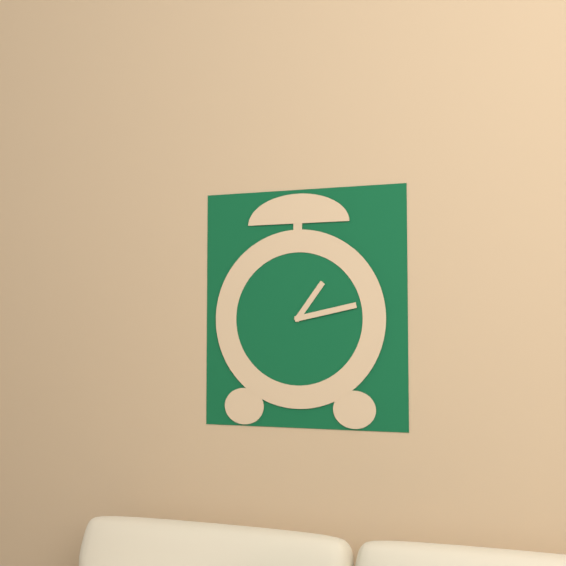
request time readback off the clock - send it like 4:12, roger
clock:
1:13
